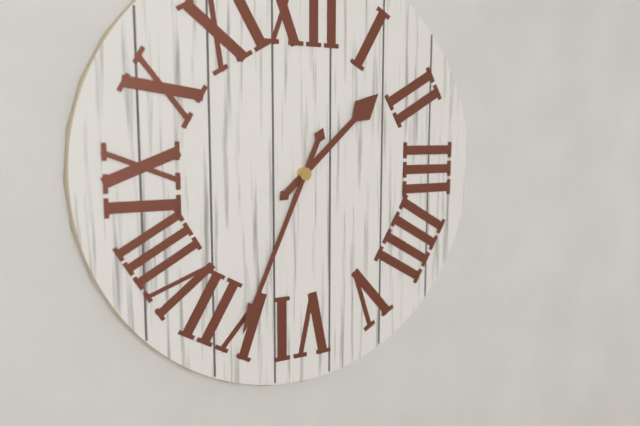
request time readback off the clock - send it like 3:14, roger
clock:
1:34
